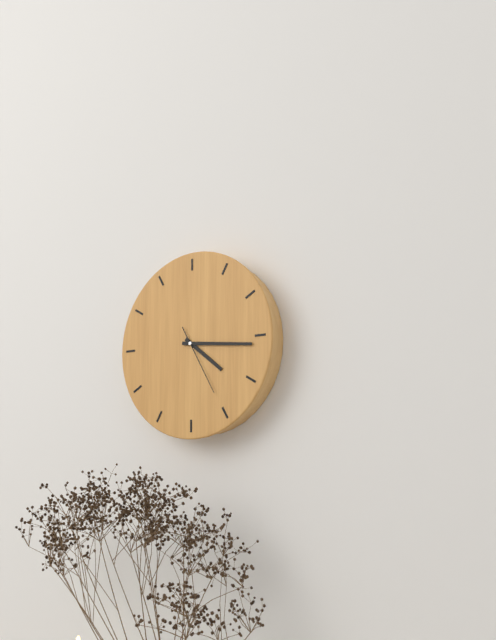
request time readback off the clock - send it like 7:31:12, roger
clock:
4:16:25
